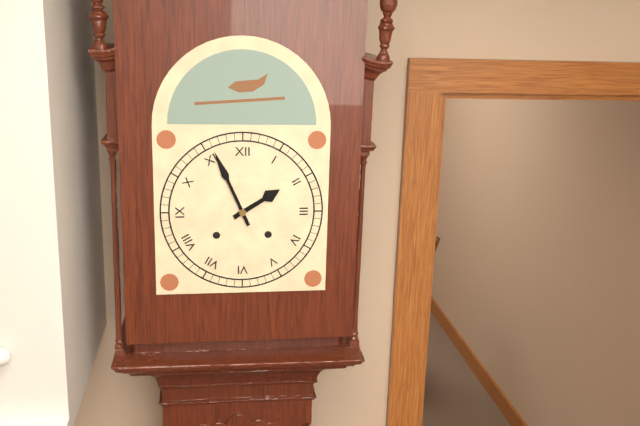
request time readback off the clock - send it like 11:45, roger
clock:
1:56
